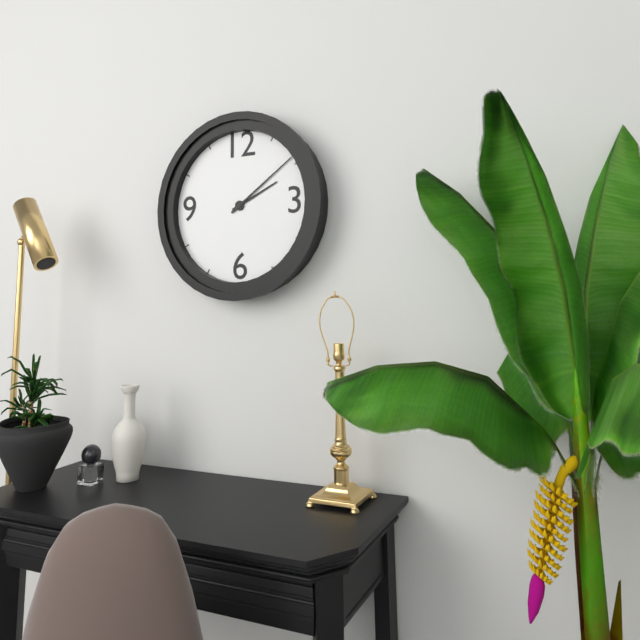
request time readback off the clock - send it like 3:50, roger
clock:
2:09
